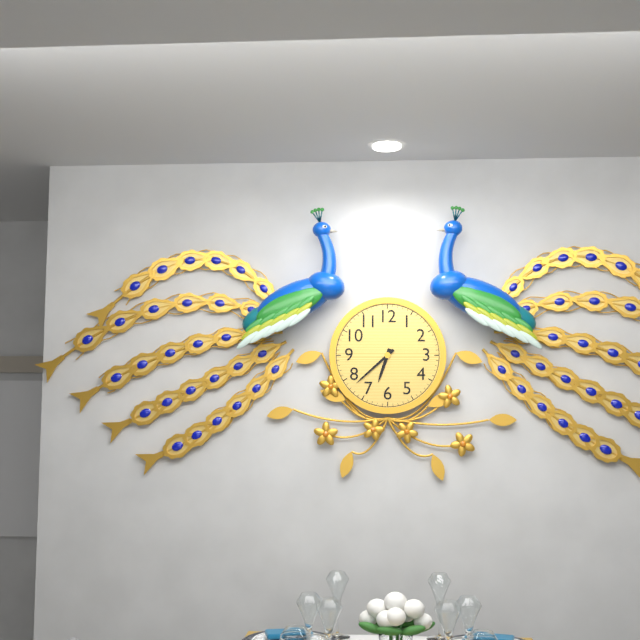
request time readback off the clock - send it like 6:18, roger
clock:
6:38
